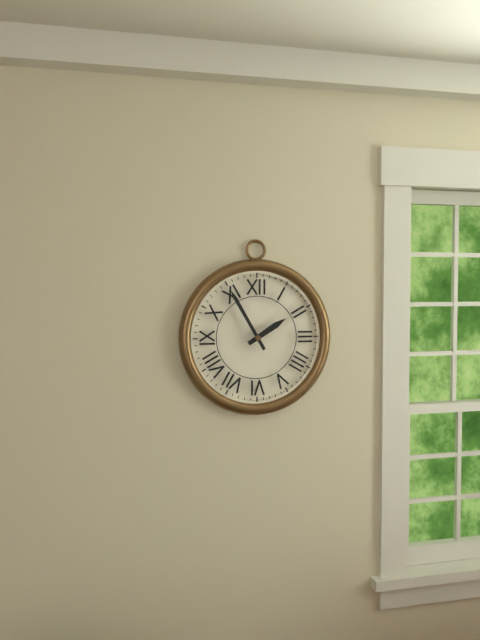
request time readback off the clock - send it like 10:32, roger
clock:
1:55
